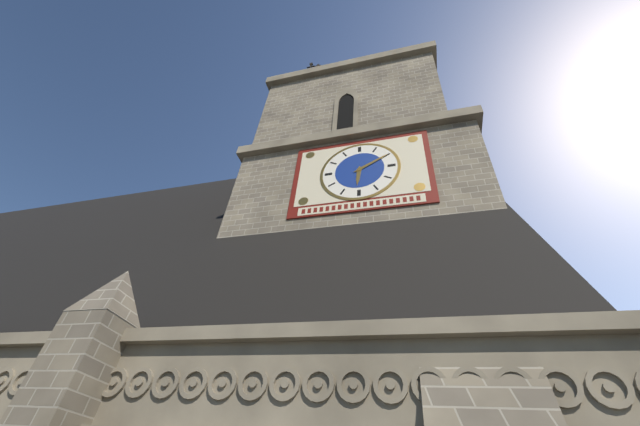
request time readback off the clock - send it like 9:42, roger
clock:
6:10
